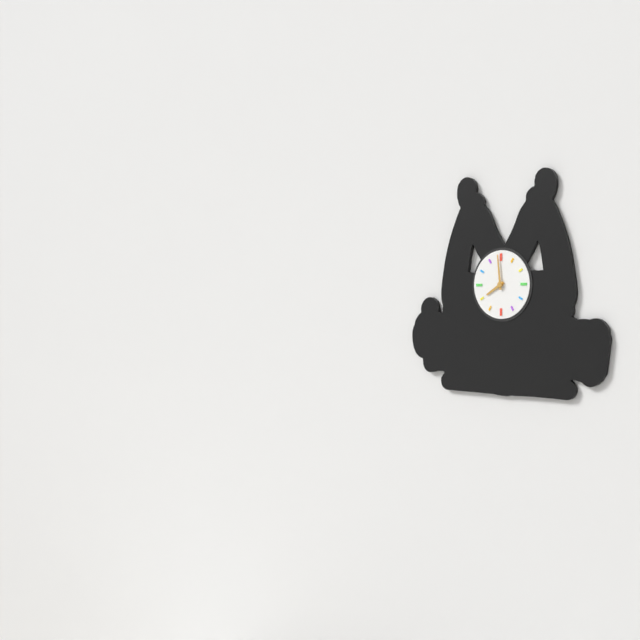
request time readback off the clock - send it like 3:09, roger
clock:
7:59
